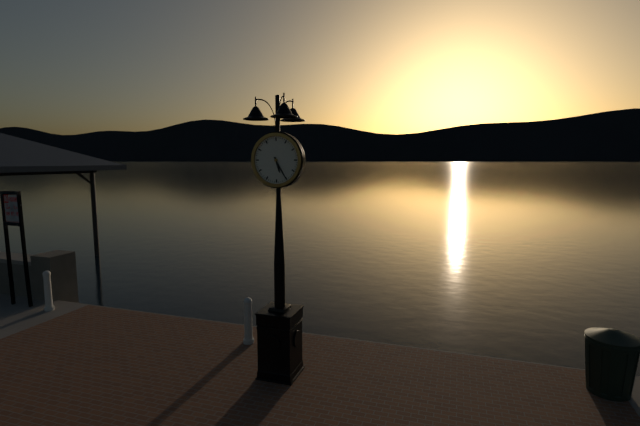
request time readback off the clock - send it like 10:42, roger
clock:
5:25
